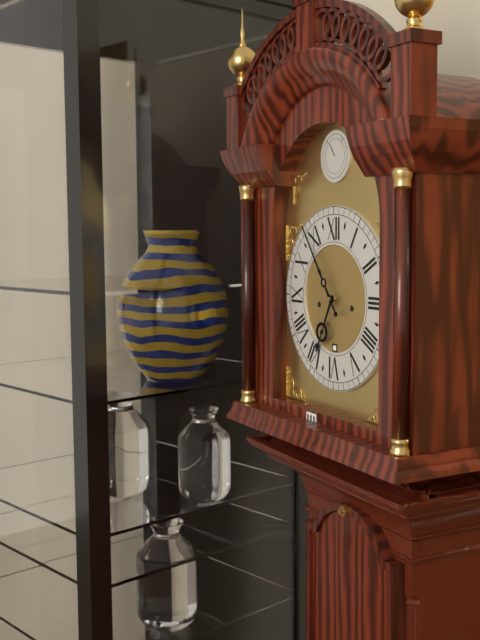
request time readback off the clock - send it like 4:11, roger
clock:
6:54
